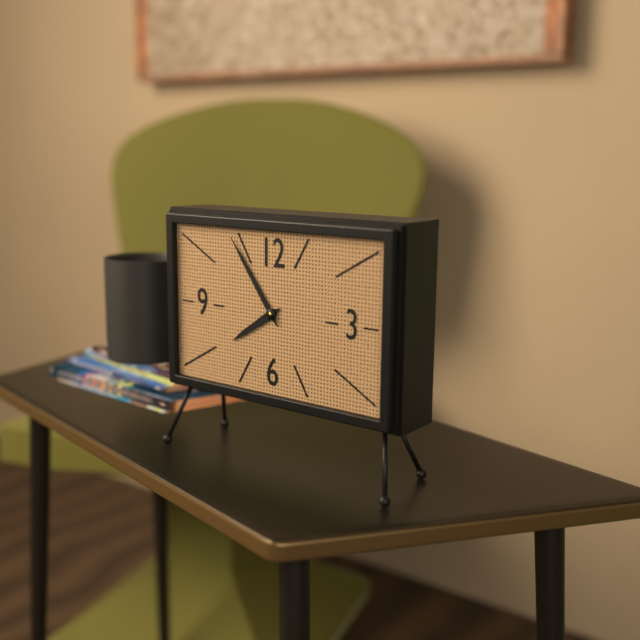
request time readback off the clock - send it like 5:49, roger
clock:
7:54
